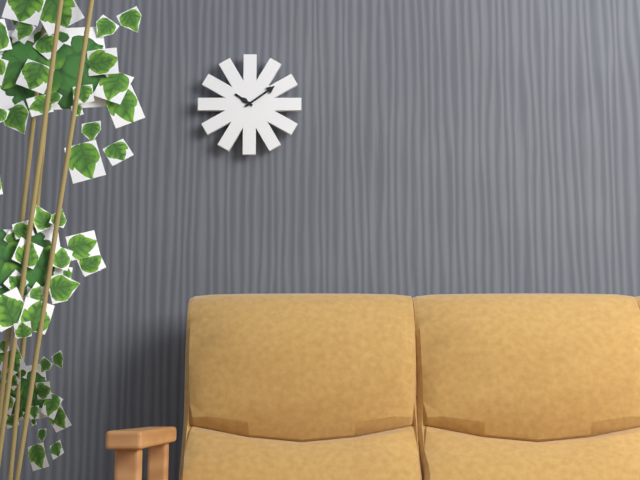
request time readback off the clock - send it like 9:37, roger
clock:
10:09
